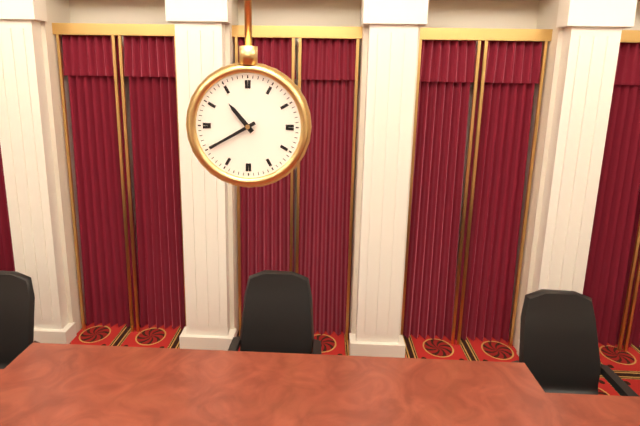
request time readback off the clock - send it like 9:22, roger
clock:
10:40
